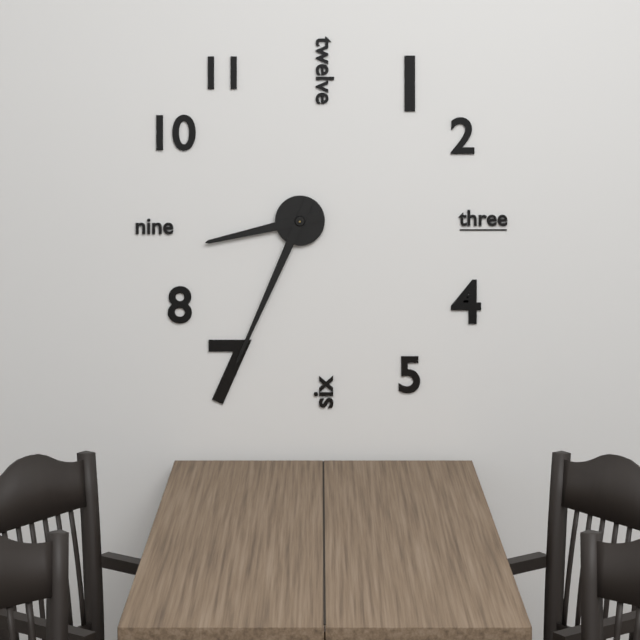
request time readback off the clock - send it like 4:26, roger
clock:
8:34
